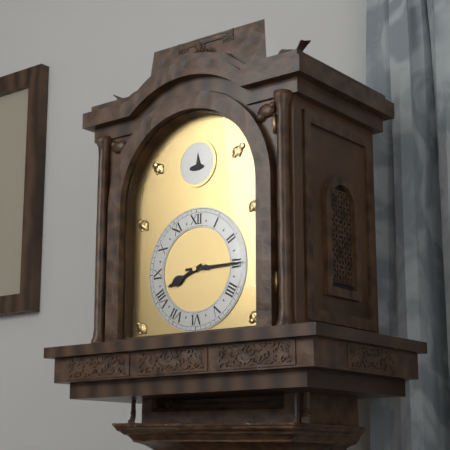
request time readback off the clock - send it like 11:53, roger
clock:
8:15
